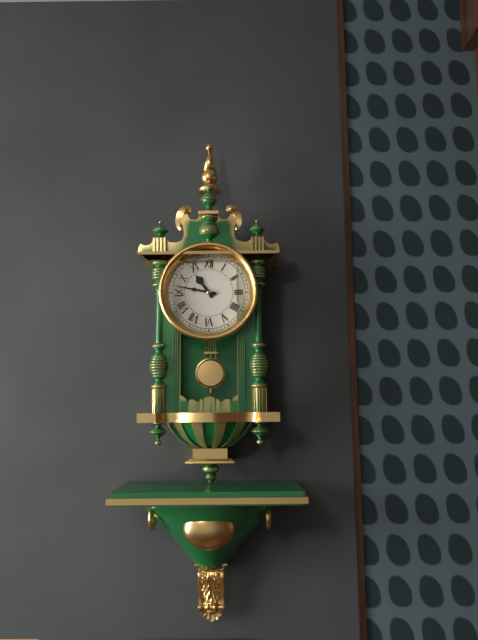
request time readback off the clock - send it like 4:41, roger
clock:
10:47
